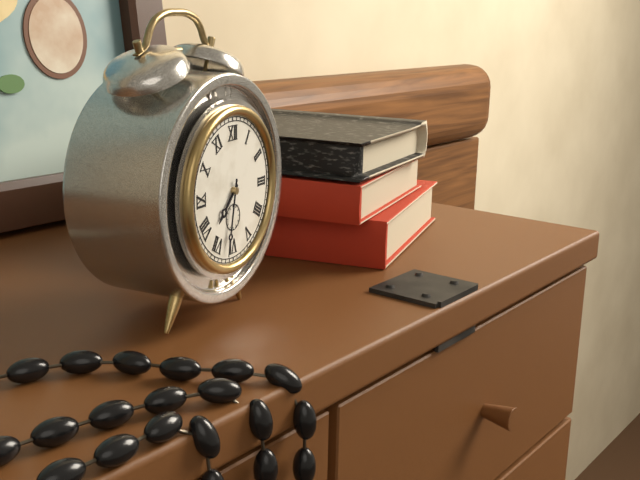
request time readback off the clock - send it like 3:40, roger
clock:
7:32
